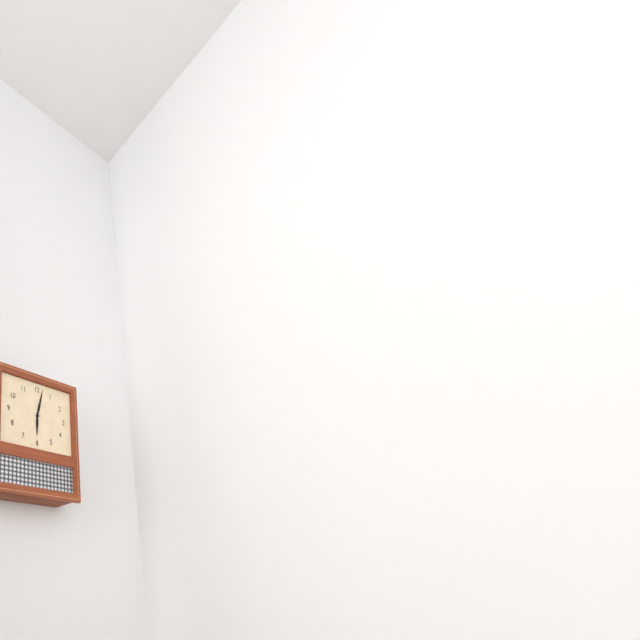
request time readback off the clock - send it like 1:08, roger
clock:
6:02
